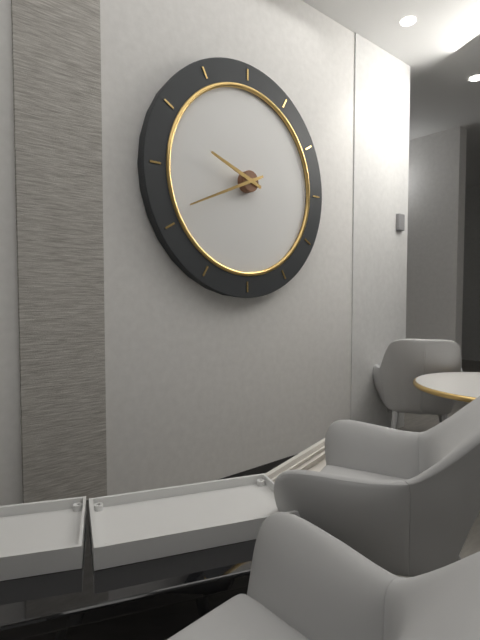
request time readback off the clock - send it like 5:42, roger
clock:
9:41
